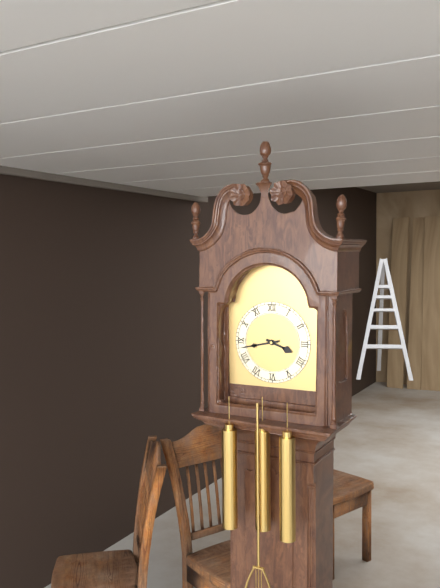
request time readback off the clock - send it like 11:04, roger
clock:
3:43
